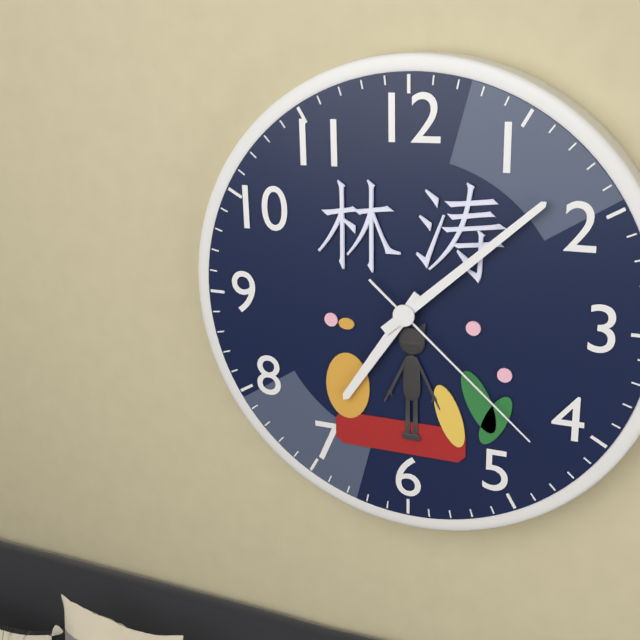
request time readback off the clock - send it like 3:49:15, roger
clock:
7:08:22
